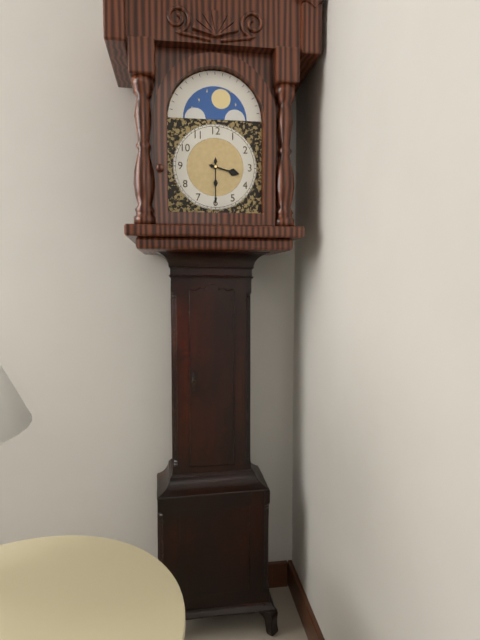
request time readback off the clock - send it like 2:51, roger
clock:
3:30
